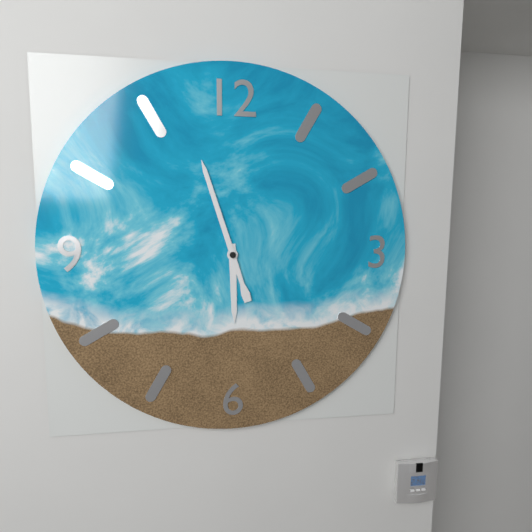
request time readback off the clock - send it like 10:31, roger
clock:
5:57
